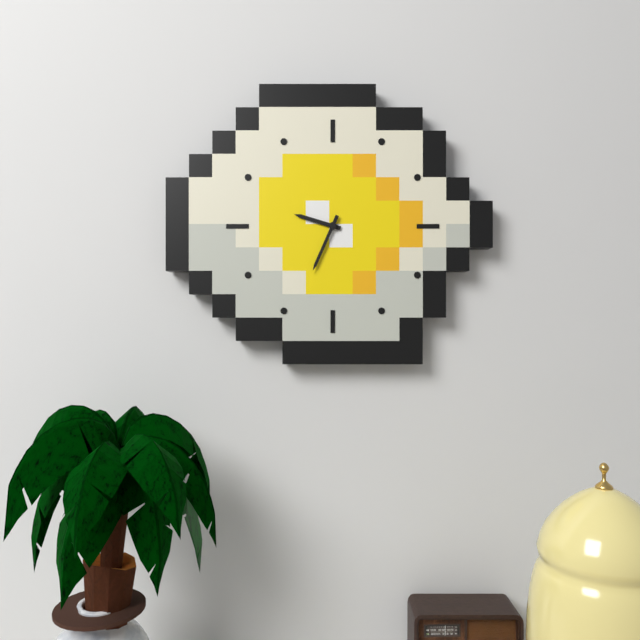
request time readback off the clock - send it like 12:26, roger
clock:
9:34
